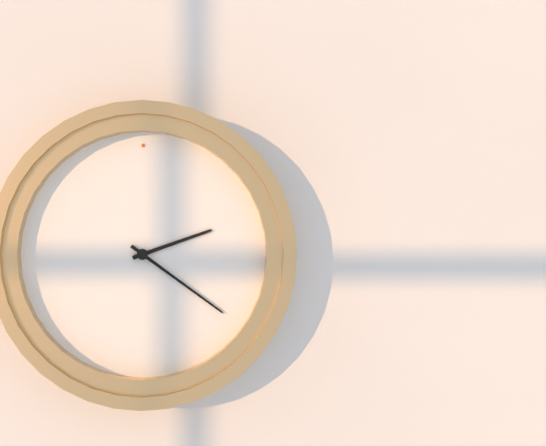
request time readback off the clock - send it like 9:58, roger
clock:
2:21
